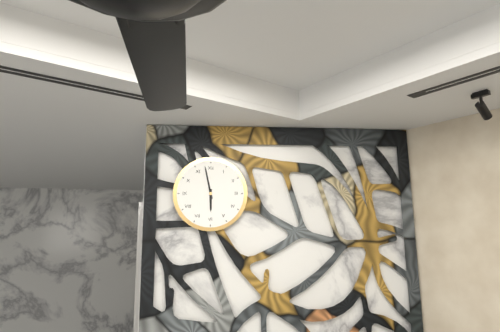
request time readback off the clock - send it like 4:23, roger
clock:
5:58
